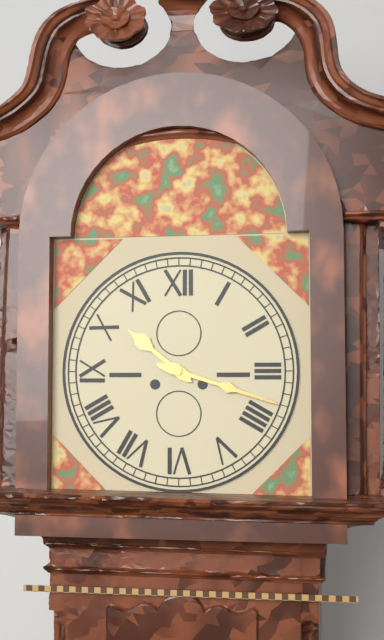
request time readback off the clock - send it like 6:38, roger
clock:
10:18
